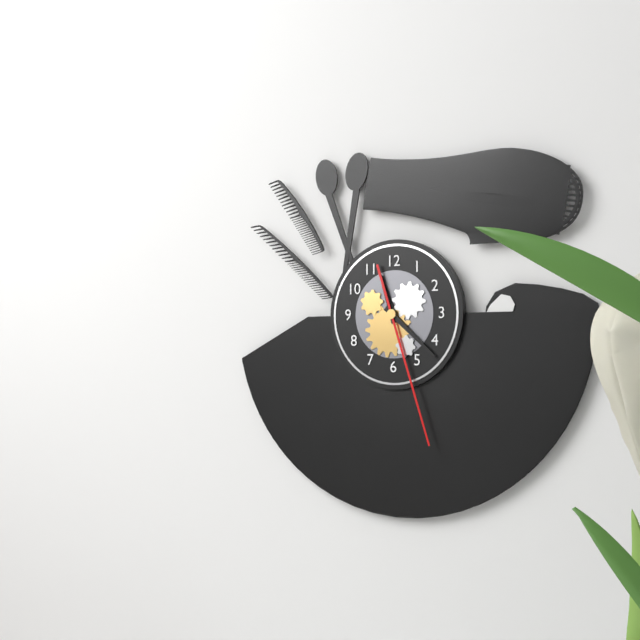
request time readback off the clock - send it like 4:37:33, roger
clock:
11:22:27
